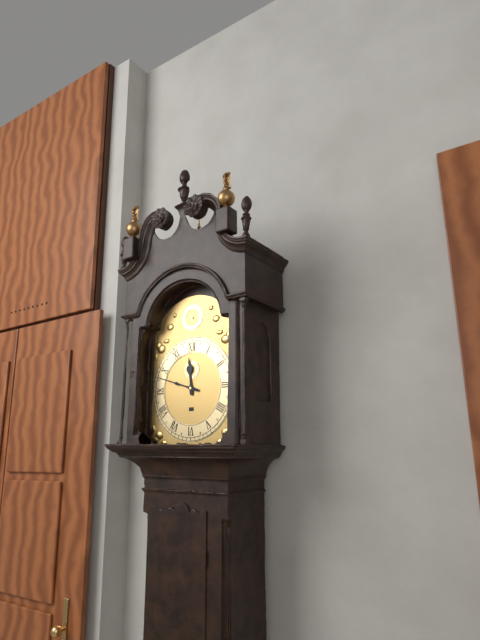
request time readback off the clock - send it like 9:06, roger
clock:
11:48
